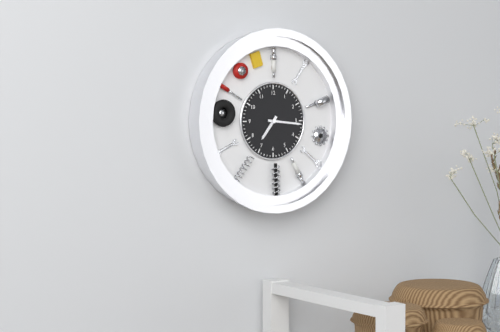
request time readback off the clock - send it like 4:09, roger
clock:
7:16
